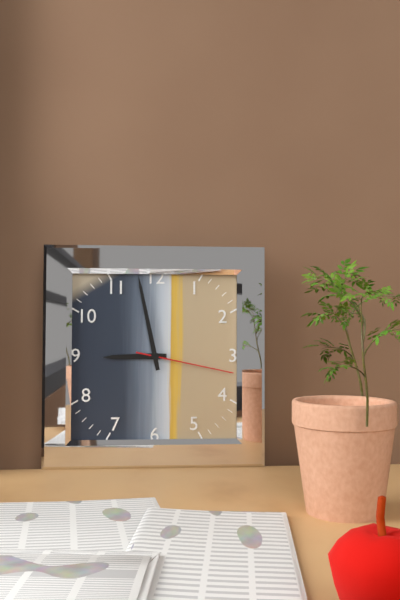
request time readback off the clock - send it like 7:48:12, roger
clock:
8:58:17
